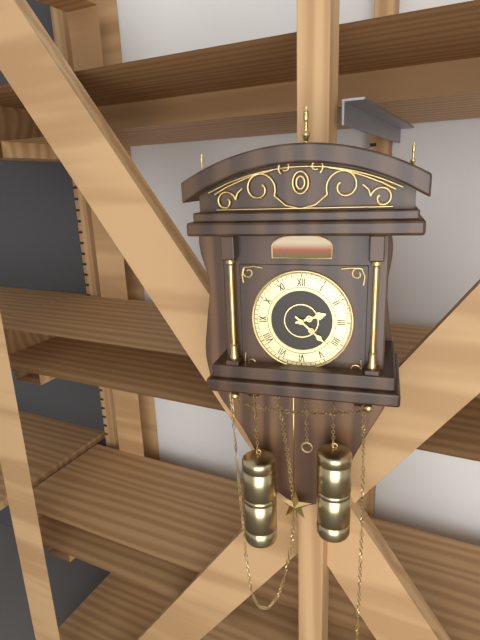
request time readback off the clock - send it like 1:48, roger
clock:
2:22
